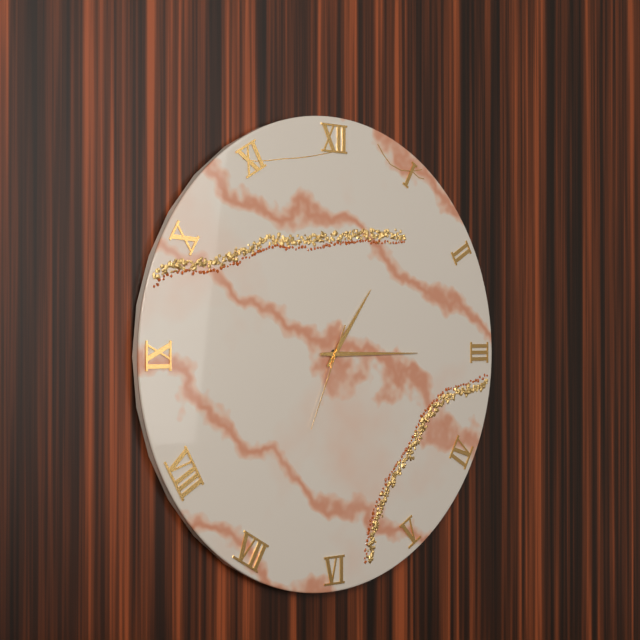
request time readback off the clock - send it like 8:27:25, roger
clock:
1:15:34
